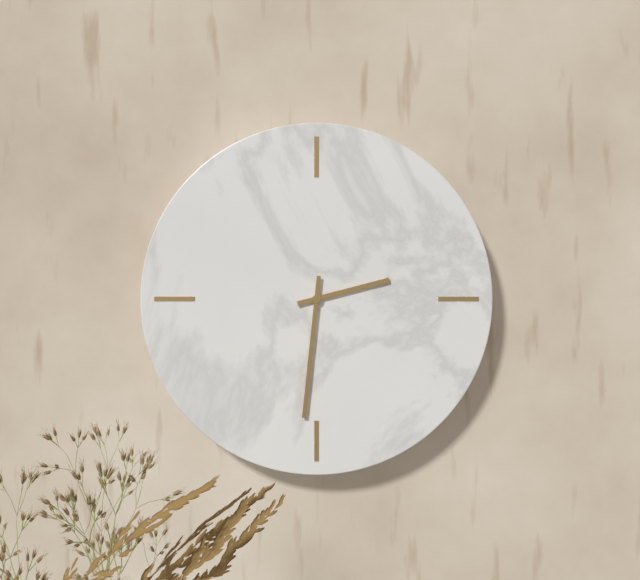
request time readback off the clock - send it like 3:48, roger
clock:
2:31
